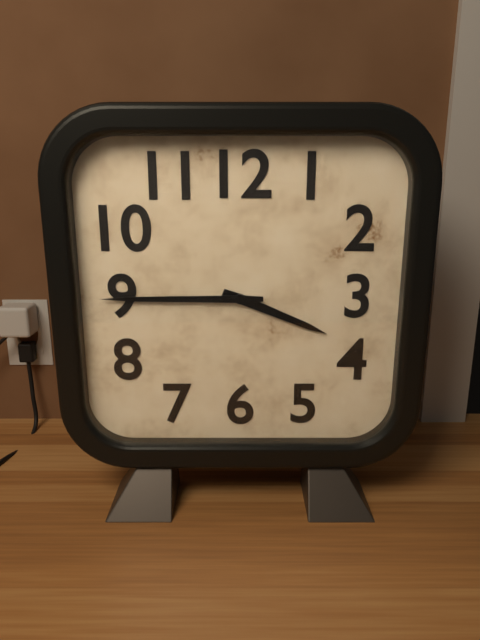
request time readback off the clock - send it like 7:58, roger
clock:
3:45
